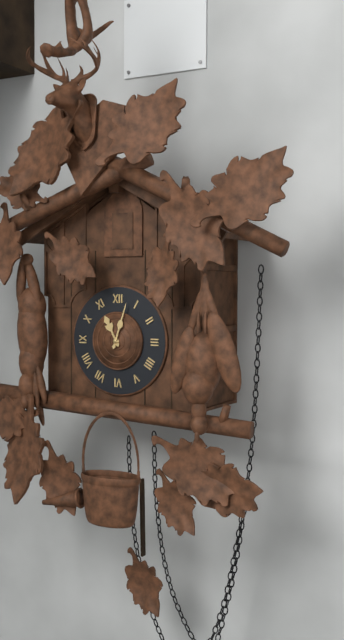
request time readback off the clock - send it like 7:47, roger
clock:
11:03
